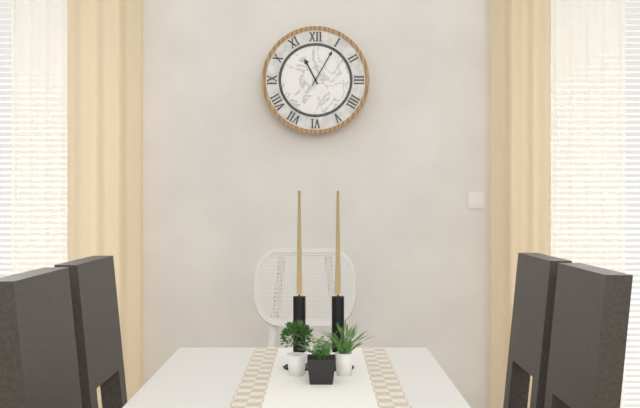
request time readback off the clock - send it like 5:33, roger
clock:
11:05
